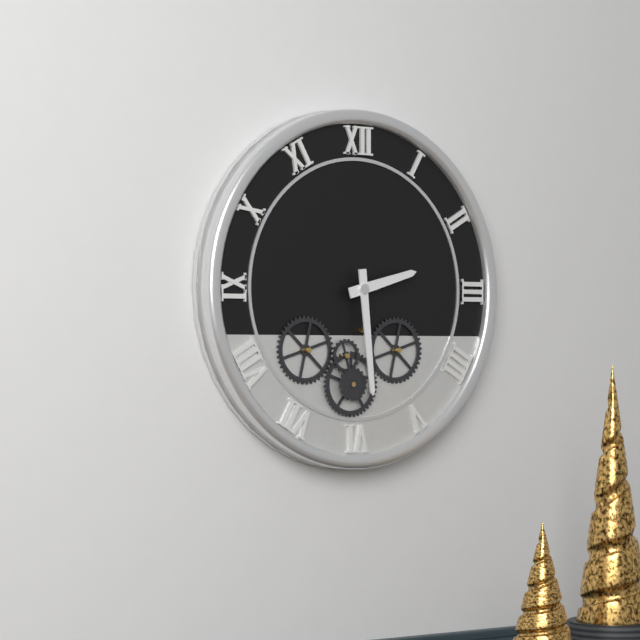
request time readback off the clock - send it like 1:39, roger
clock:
2:29
